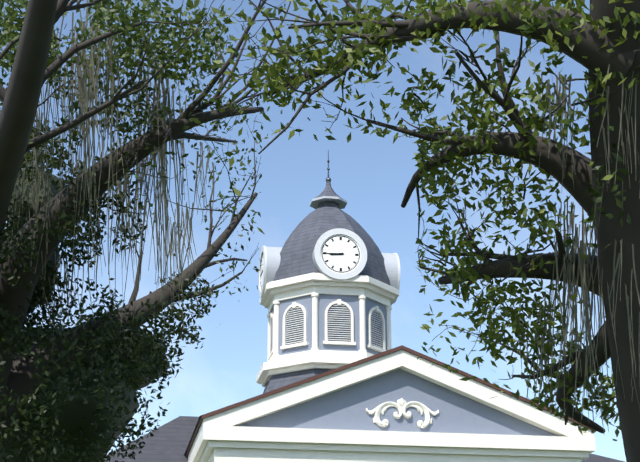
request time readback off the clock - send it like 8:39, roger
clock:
8:45
